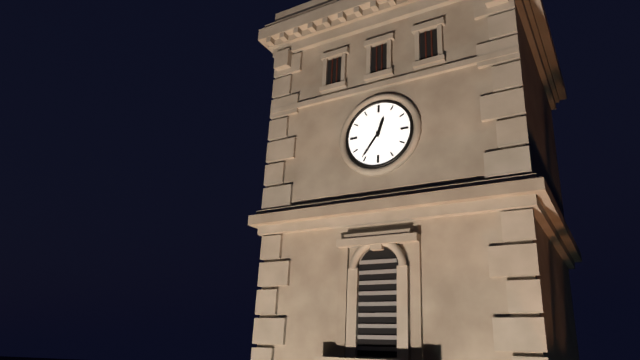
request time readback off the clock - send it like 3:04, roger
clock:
12:36
